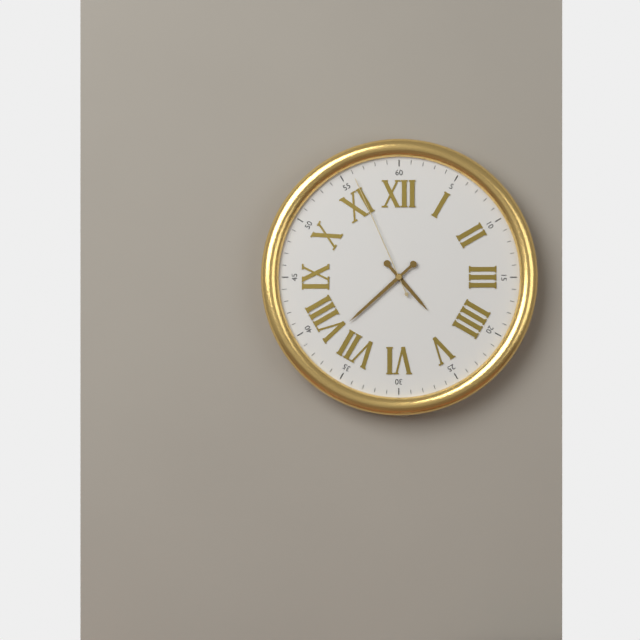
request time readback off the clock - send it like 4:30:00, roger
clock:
4:38:56
